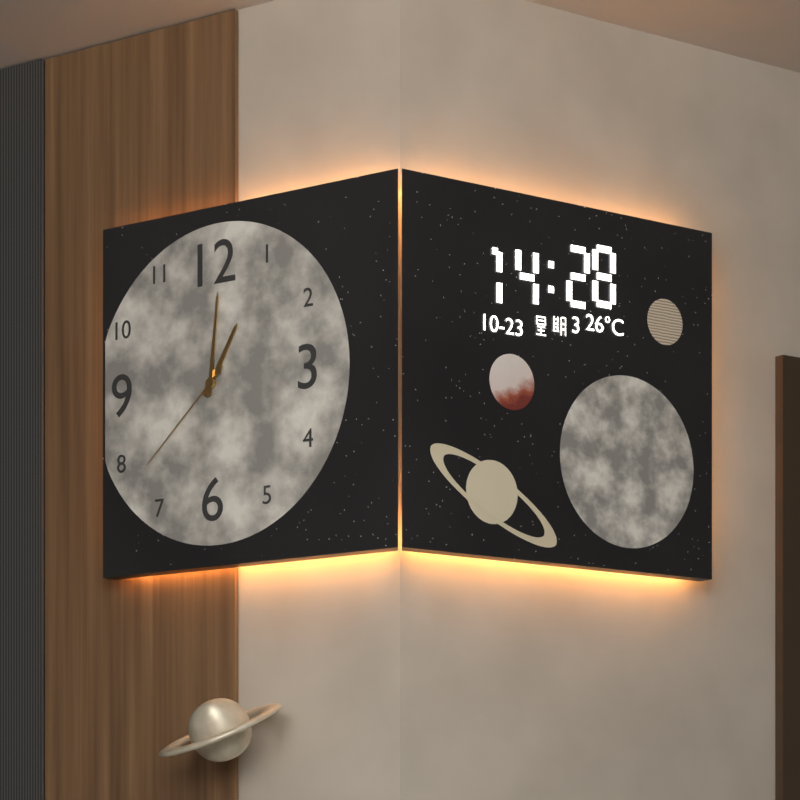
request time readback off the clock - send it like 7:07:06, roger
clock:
1:01:38
